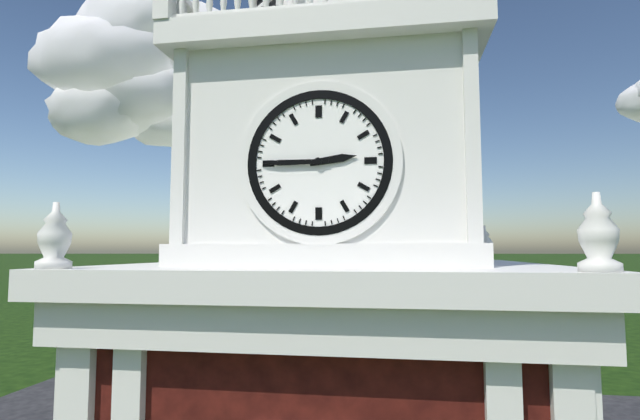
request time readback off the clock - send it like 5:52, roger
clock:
2:45
